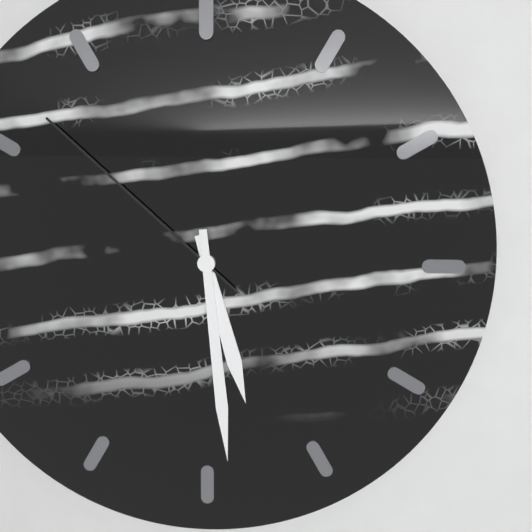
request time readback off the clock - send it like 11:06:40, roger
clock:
5:29:52
